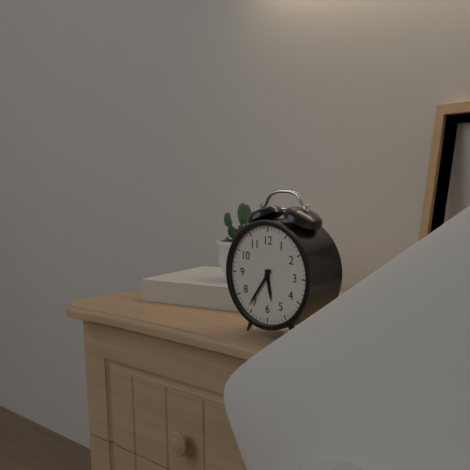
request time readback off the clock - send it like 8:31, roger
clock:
5:36
